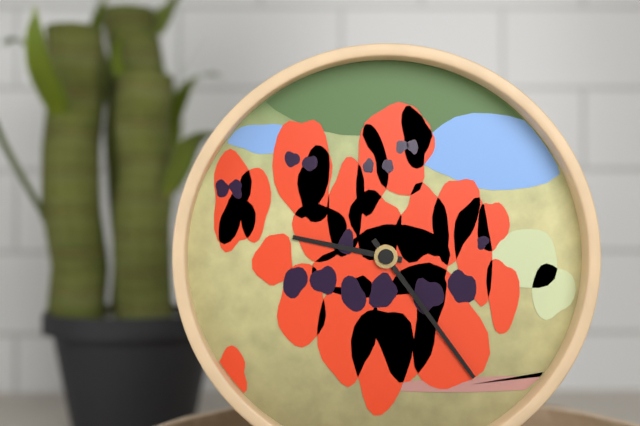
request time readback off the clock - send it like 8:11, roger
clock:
9:24
